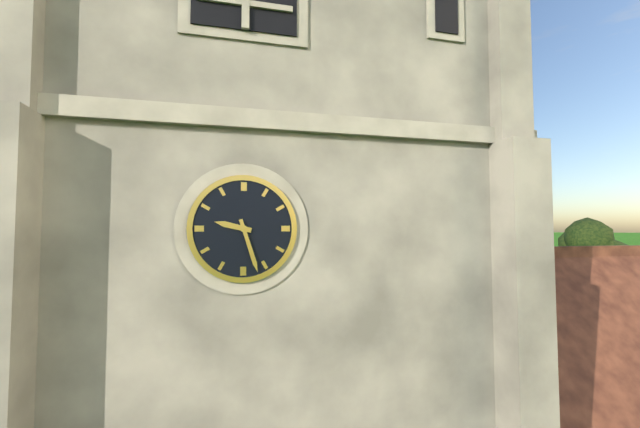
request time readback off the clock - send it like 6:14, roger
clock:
9:27
